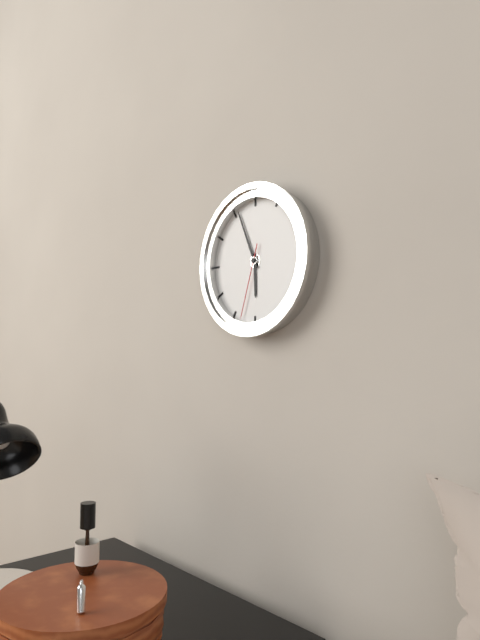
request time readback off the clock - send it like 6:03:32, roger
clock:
5:56:33
